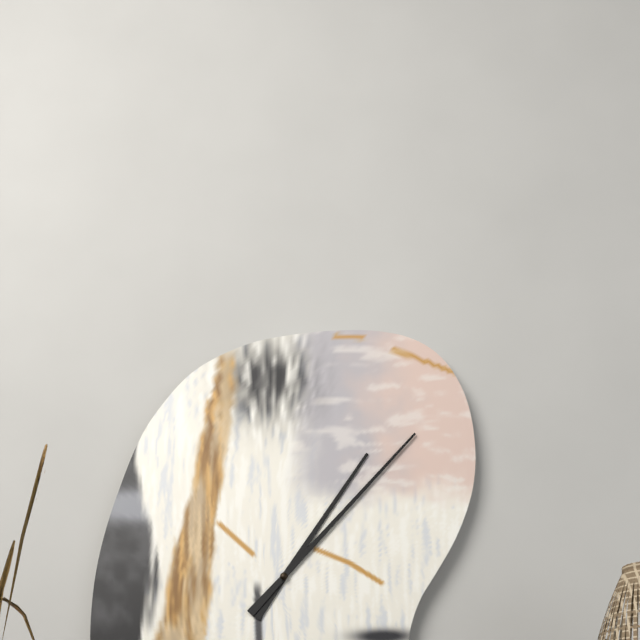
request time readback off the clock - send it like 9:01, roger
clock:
1:07
